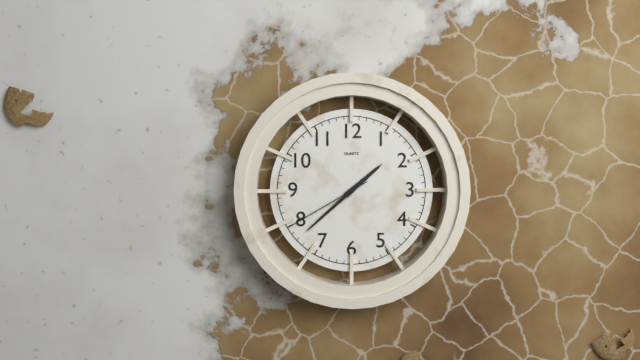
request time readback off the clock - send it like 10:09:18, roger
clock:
1:38:40
